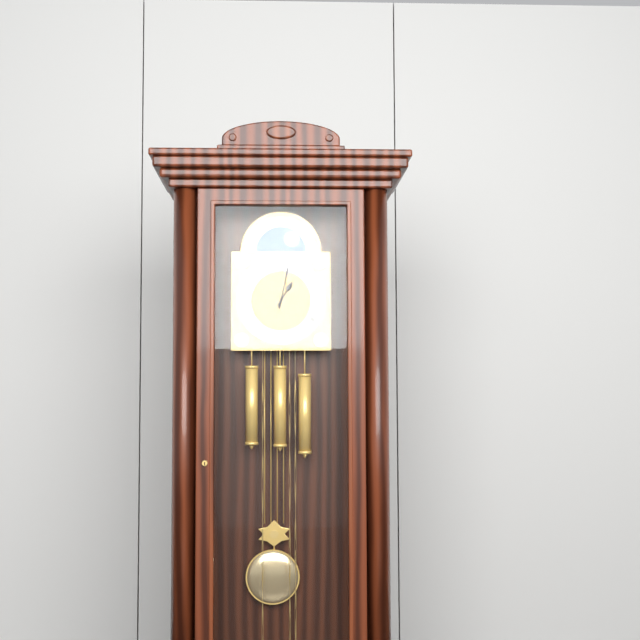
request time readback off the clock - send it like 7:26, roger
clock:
1:02
